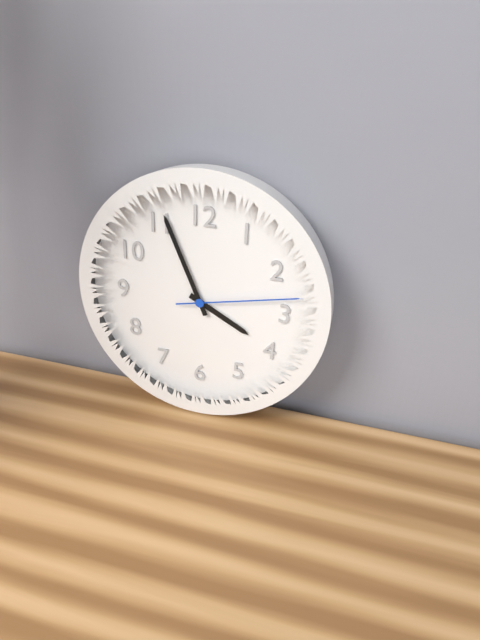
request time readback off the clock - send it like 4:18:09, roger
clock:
3:56:13
